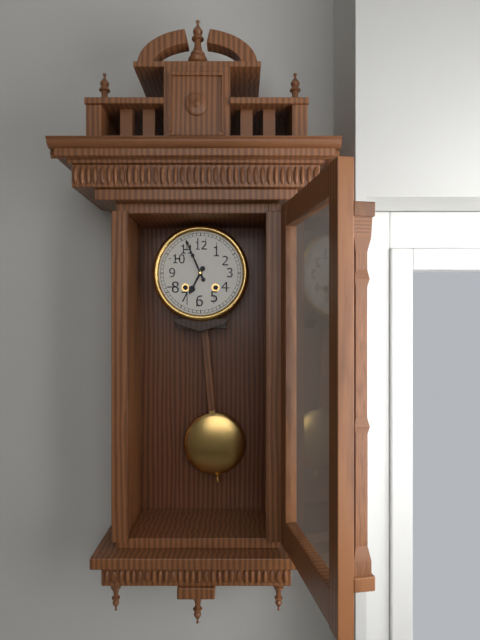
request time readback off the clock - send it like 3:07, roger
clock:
6:56
